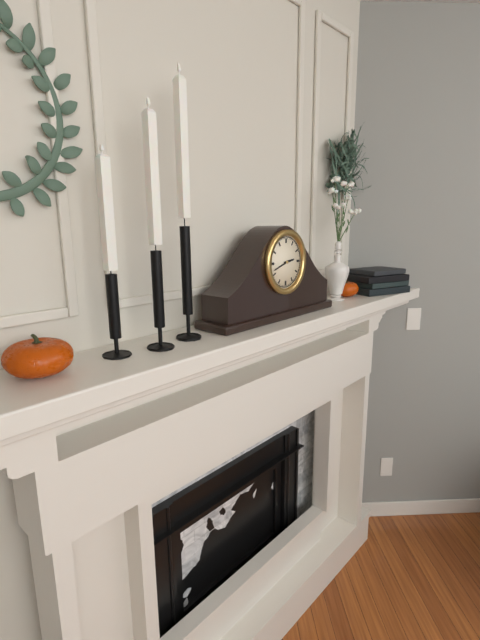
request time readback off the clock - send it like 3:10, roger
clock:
2:42
